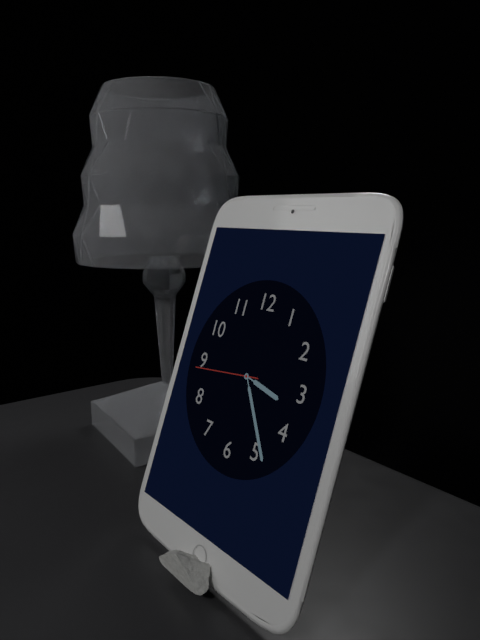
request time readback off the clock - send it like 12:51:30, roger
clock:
3:24:44
